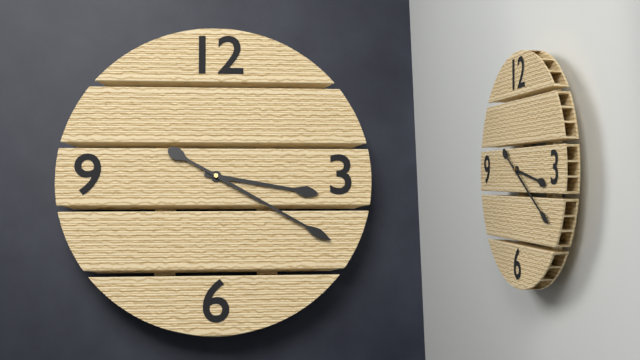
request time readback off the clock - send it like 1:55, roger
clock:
3:20
